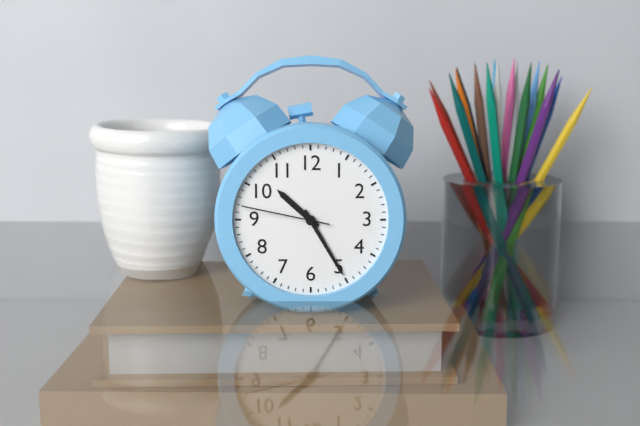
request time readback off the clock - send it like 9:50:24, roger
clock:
10:25:47
